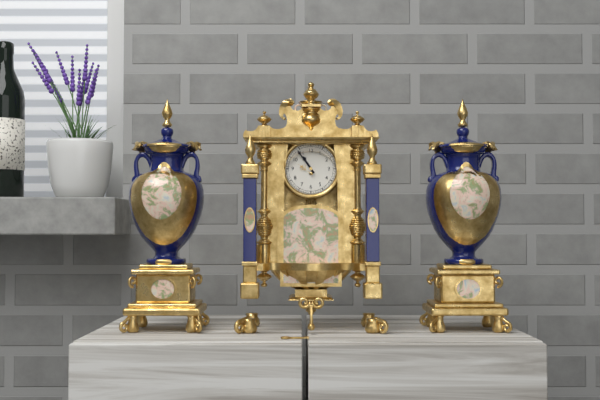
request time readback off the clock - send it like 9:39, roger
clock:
10:54
